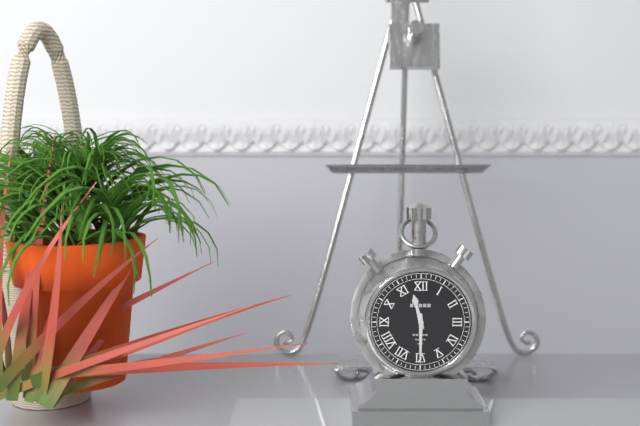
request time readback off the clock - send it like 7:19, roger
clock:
11:30
